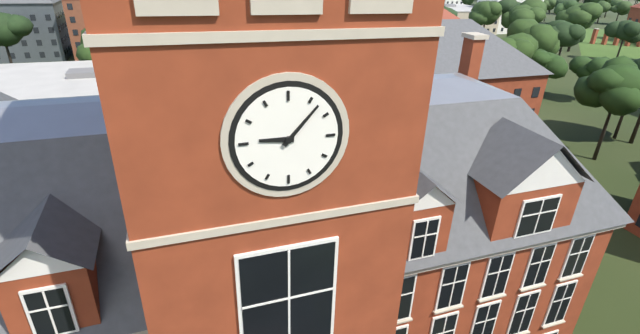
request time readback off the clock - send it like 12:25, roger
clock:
9:07
